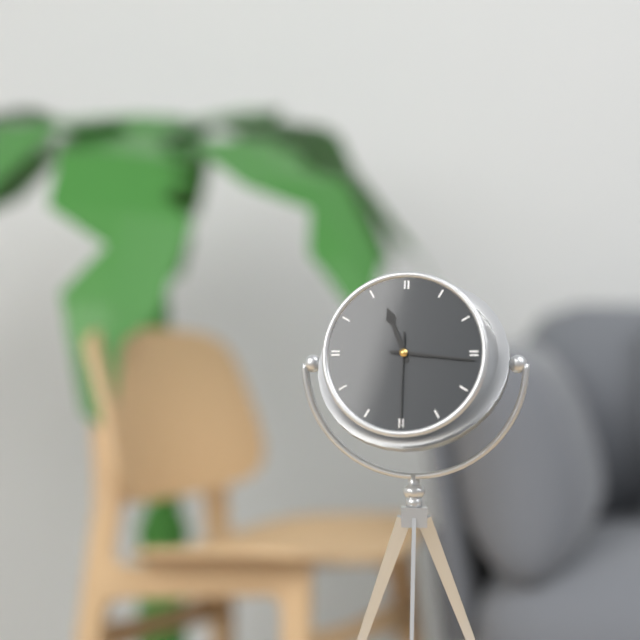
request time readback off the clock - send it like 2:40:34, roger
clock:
11:16:30
